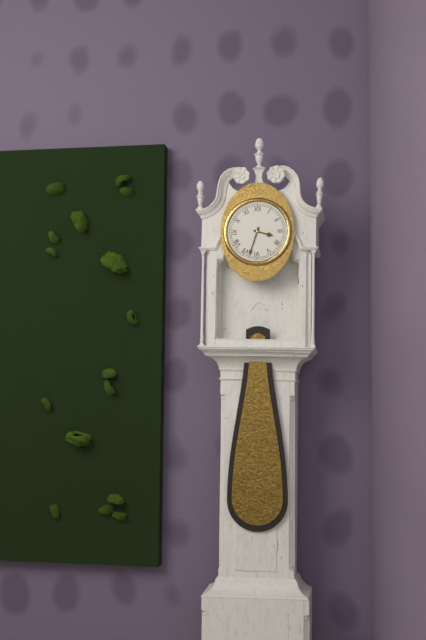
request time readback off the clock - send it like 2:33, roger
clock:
3:33
